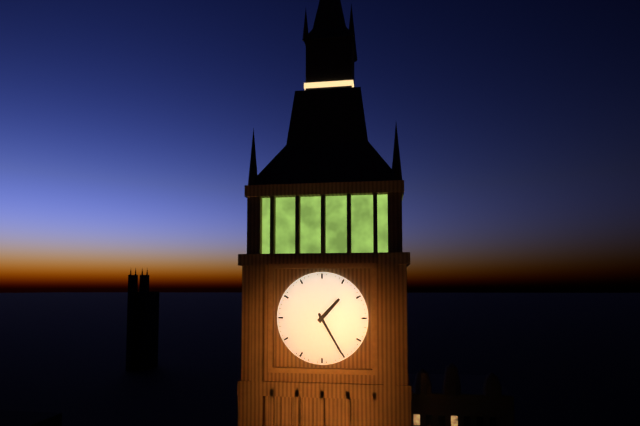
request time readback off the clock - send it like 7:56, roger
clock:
1:25
